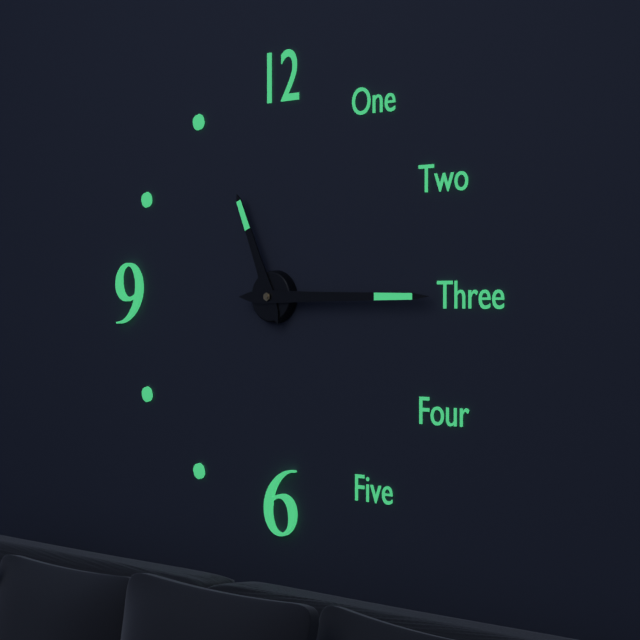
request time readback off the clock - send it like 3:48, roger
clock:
11:15
